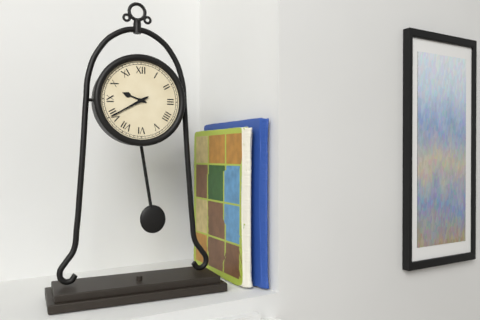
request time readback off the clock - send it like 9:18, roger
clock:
9:40
